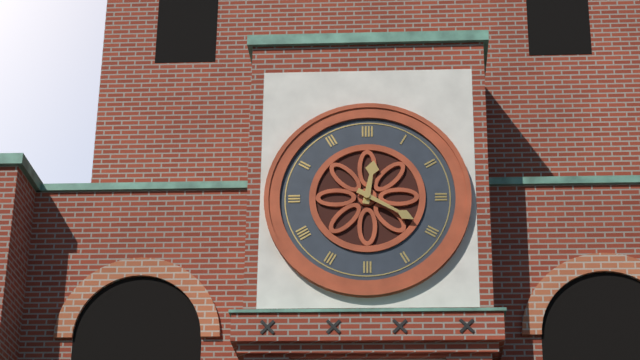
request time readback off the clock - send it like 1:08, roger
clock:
12:20
